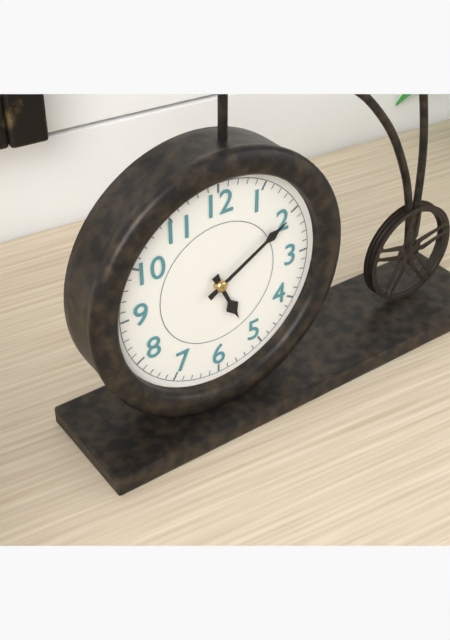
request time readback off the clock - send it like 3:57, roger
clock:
5:10
